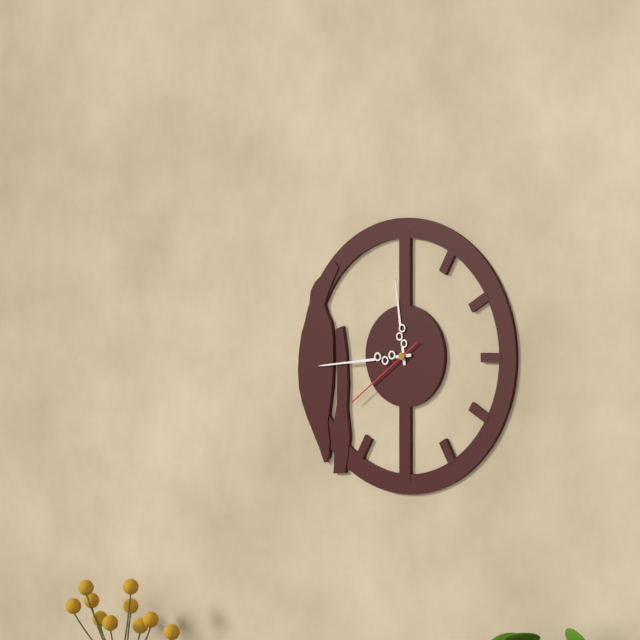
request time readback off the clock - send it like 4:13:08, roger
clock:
11:44:39
